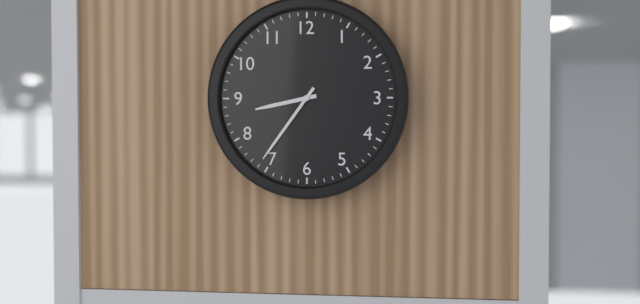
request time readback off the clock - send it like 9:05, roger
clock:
8:36
